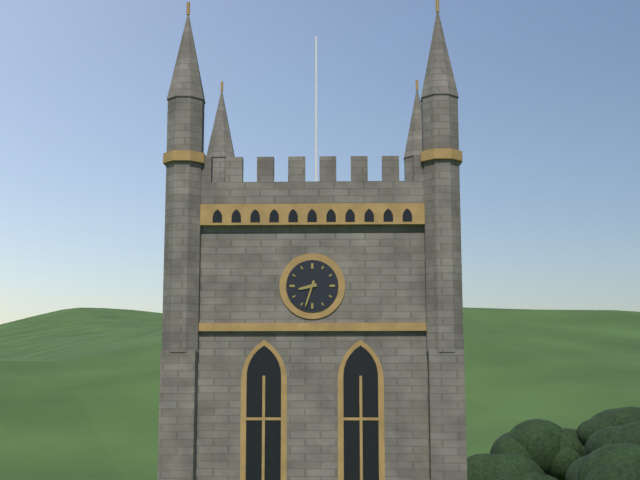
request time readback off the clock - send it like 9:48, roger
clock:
8:33
